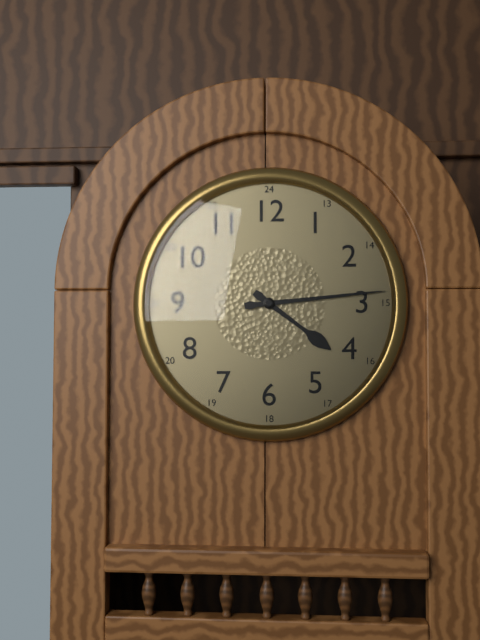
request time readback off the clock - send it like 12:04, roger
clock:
4:14
